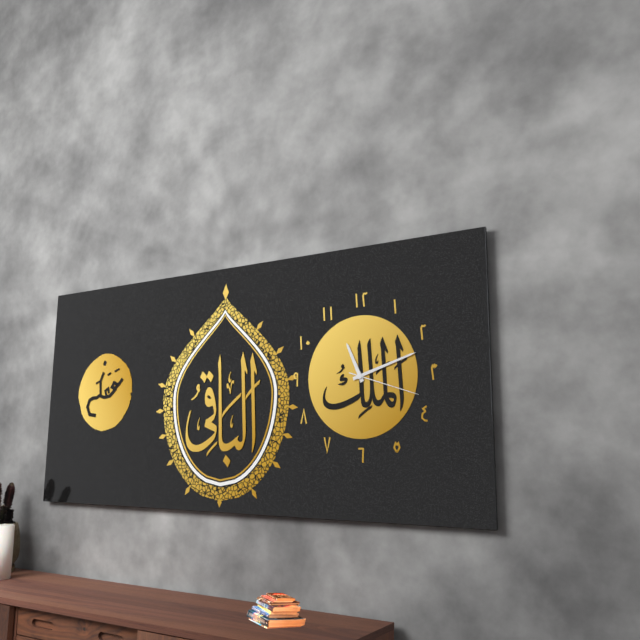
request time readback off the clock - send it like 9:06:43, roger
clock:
11:12:18
